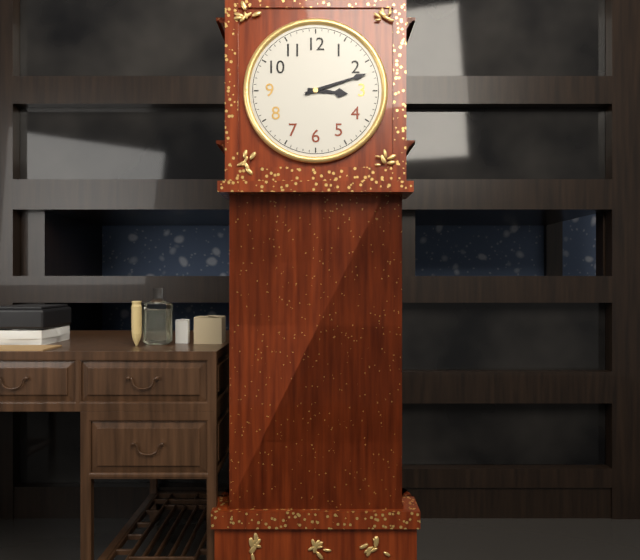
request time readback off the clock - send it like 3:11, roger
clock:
3:12
